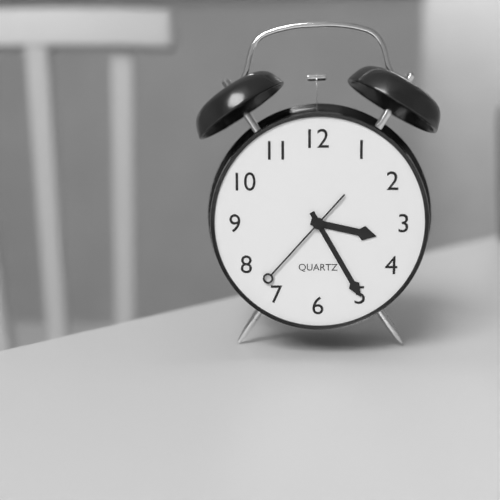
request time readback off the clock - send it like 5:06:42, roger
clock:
3:25:37
